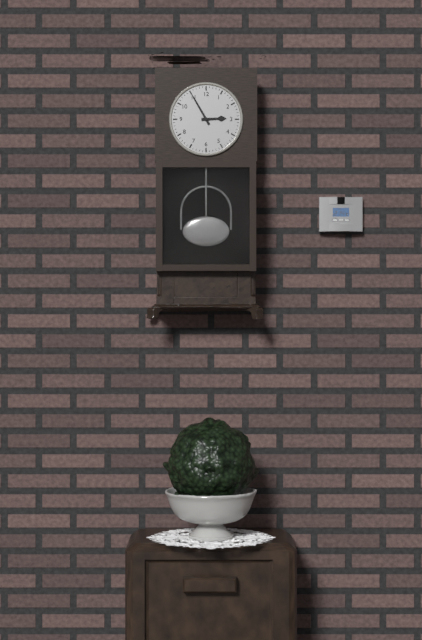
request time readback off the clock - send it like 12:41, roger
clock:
2:55
